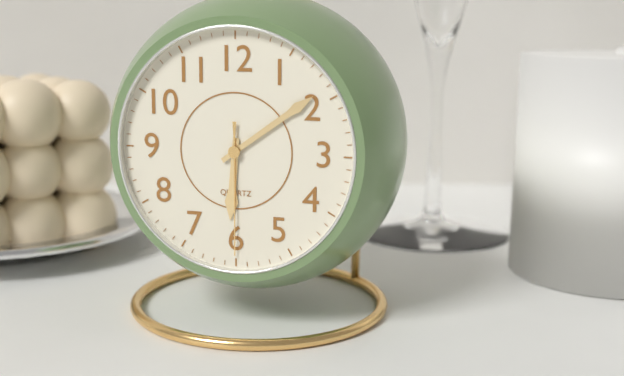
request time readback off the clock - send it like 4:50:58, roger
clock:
6:09:30
